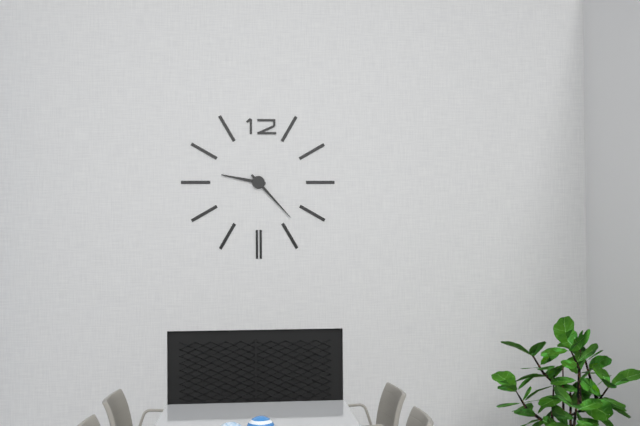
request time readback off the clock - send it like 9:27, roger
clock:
9:23
